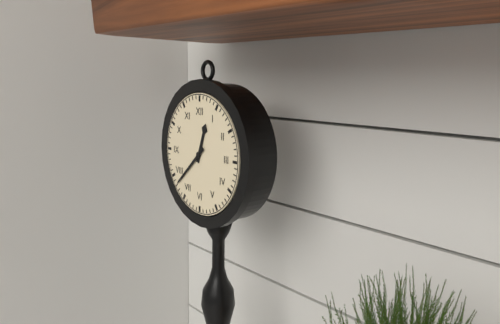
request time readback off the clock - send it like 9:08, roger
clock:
12:38
